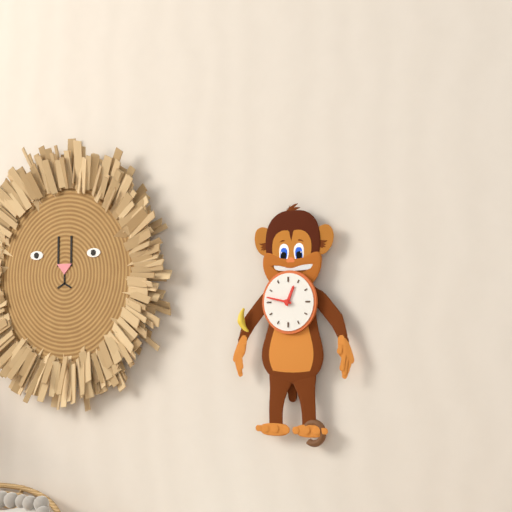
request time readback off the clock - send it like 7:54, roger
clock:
12:47
